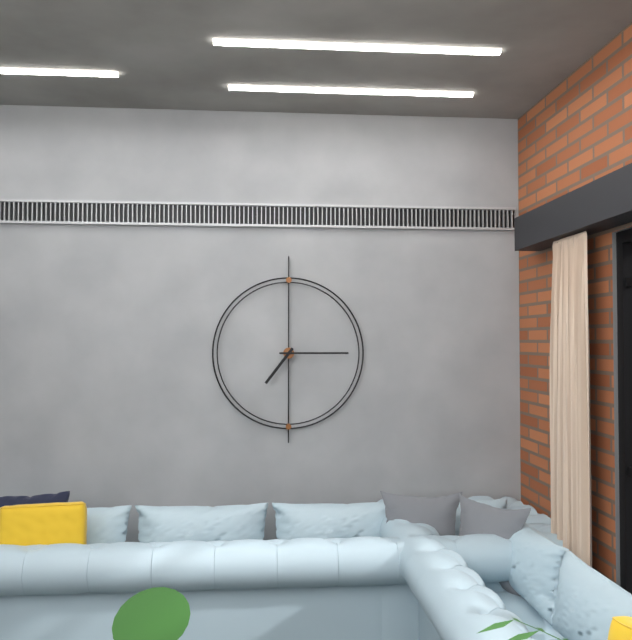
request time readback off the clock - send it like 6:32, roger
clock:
7:15
